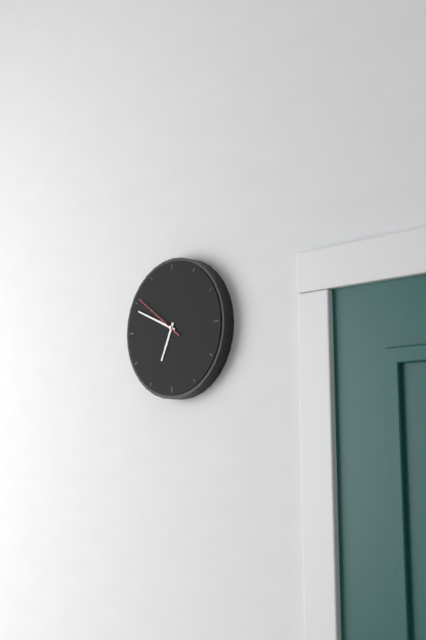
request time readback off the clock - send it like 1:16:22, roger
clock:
6:49:51
